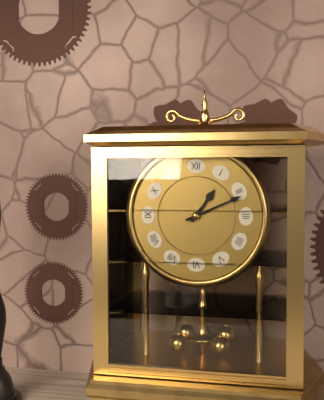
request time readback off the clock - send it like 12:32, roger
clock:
1:11
